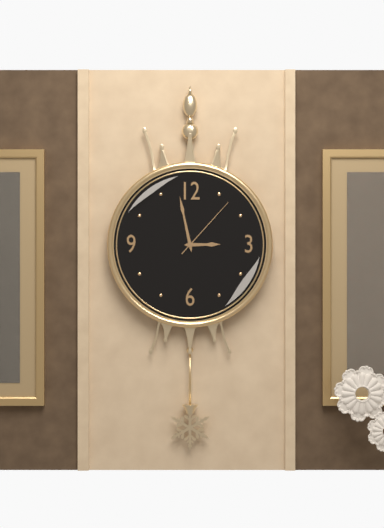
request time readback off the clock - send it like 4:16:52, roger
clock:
2:58:07
